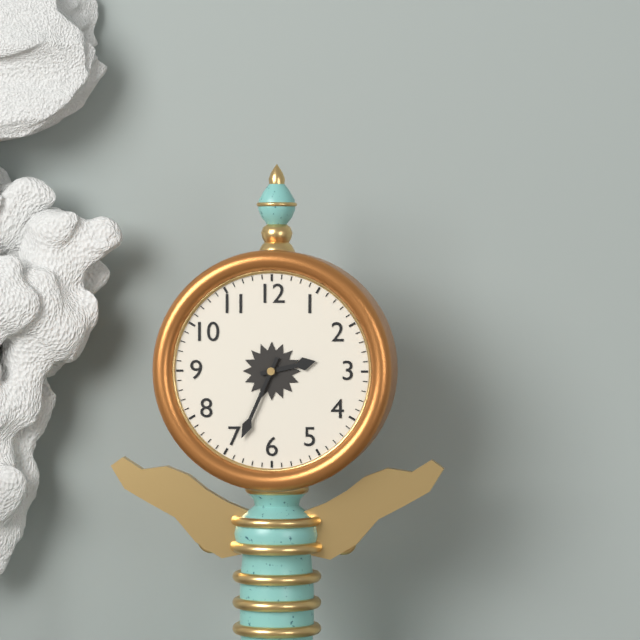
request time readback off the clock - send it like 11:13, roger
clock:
2:34
